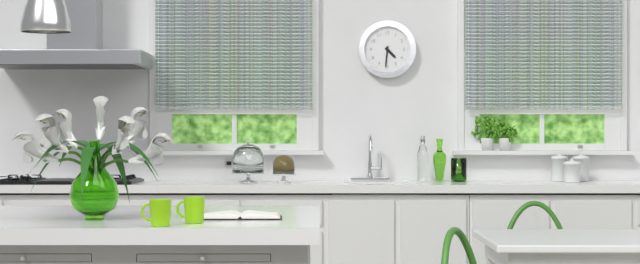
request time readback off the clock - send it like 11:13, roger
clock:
4:31
